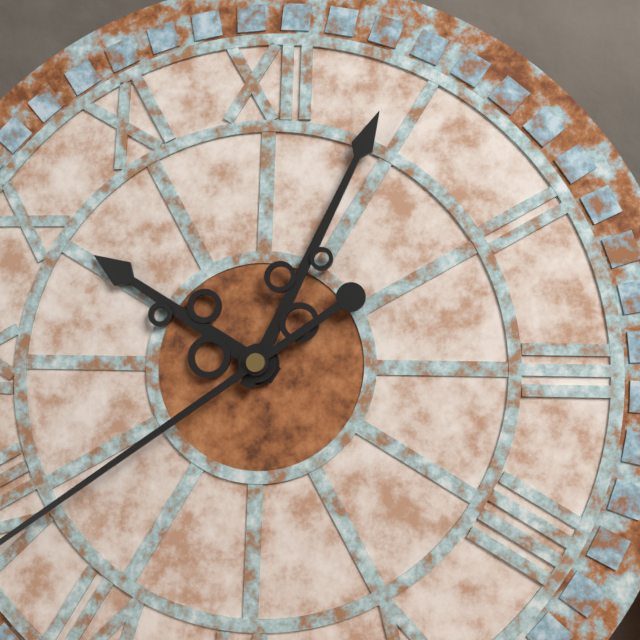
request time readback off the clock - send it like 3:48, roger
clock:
10:04
